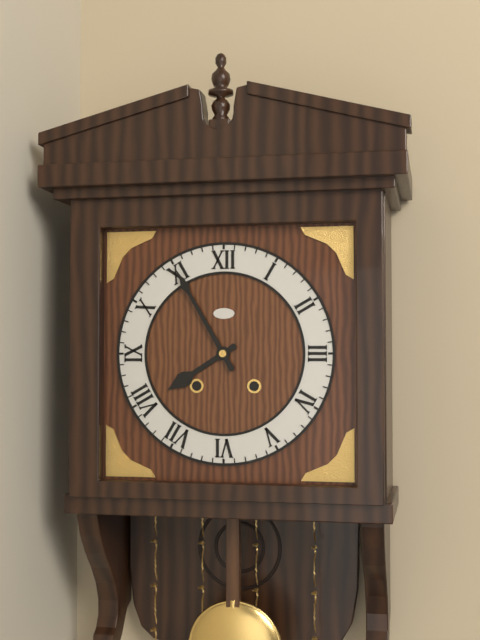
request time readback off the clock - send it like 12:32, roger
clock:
7:55
